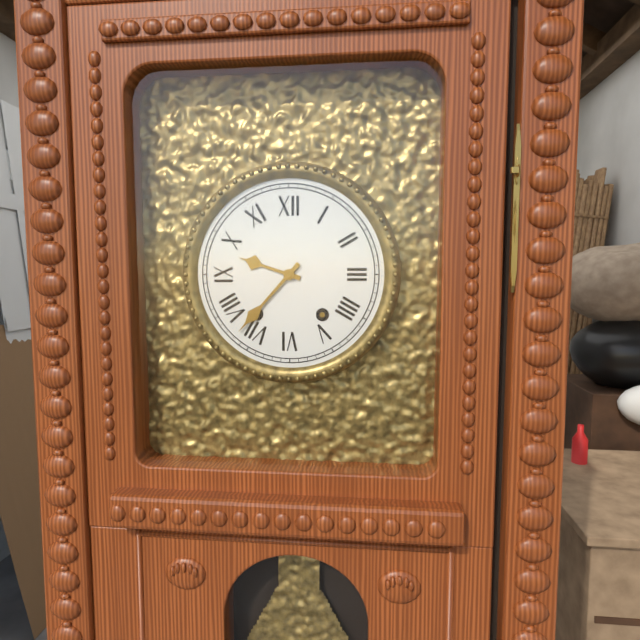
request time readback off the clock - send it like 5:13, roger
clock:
9:37
